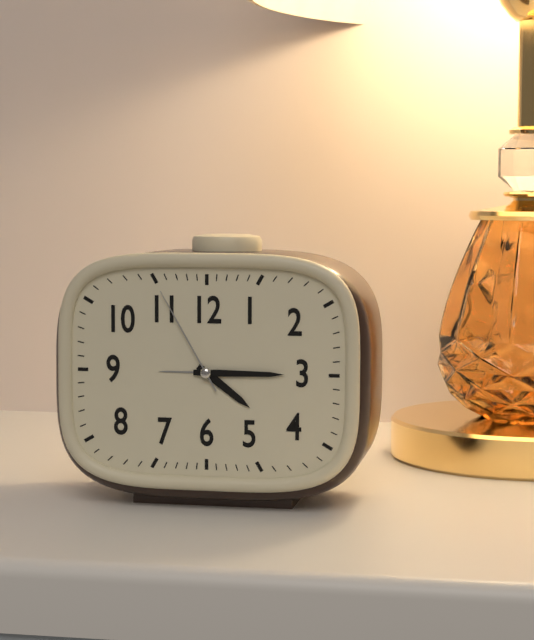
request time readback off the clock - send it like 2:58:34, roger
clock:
4:15:55
